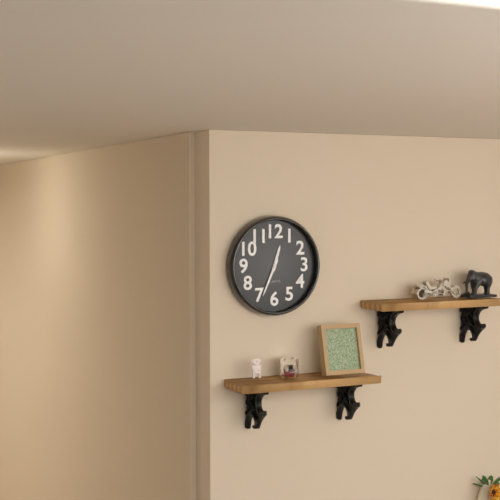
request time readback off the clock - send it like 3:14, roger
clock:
12:34
